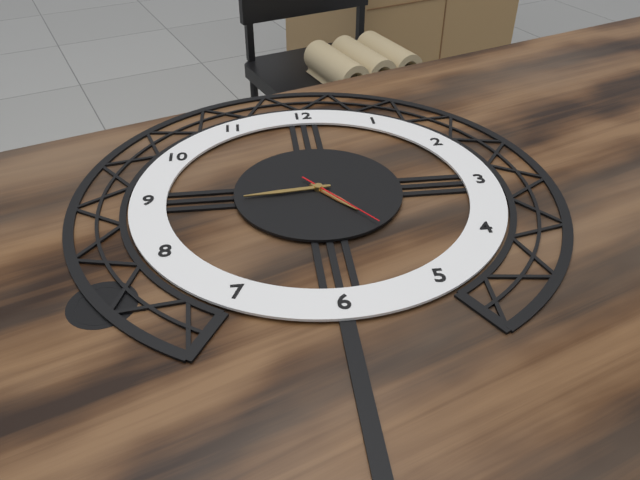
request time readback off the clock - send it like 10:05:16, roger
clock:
4:44:24
